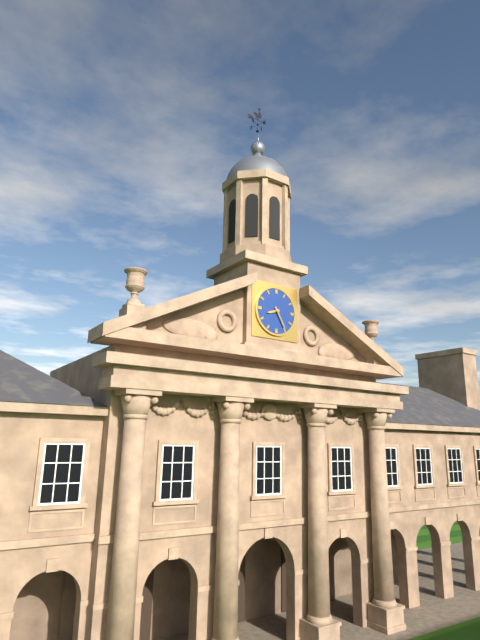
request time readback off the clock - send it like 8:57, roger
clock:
8:25
